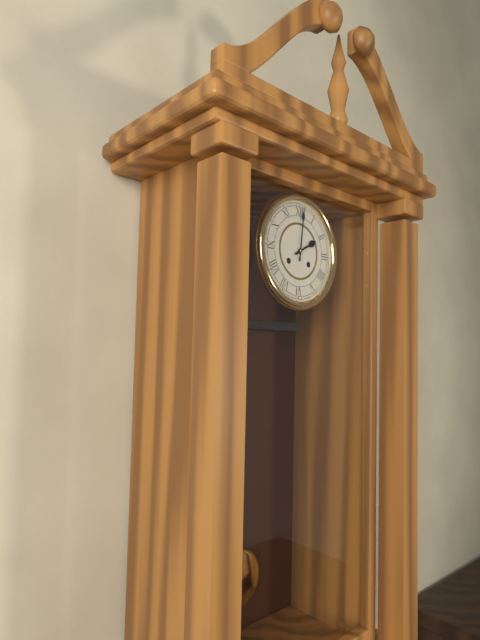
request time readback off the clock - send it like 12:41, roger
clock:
2:01
